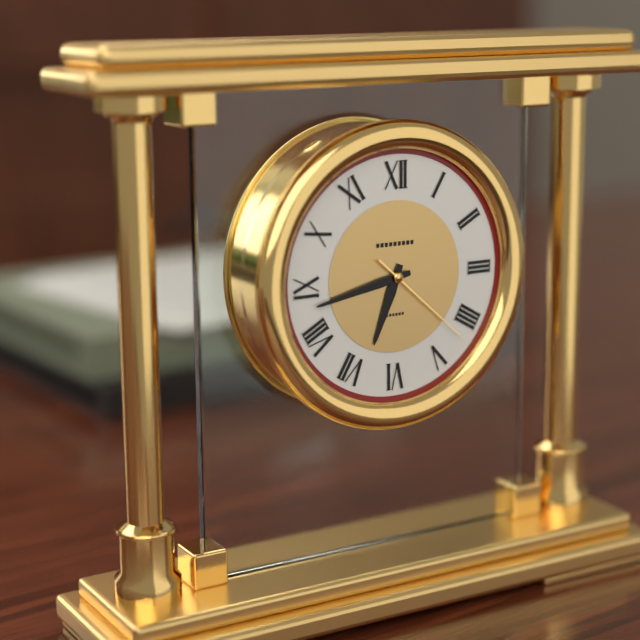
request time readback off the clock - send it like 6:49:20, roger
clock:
6:43:22
